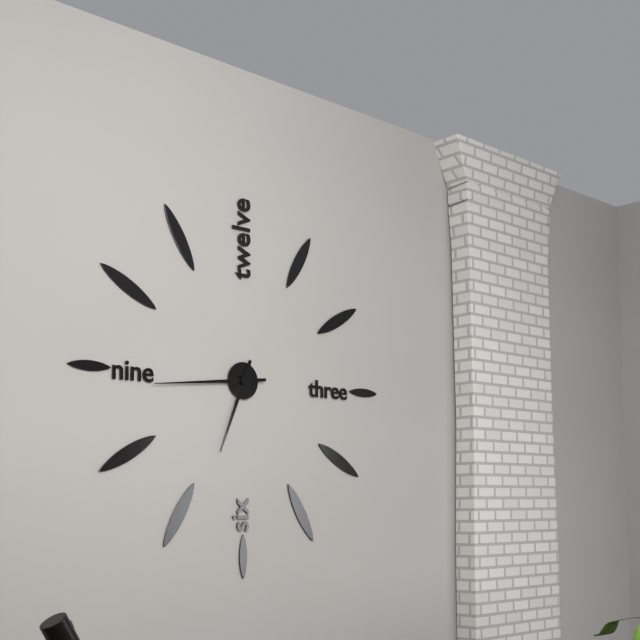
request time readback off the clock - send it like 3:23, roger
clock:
6:44
